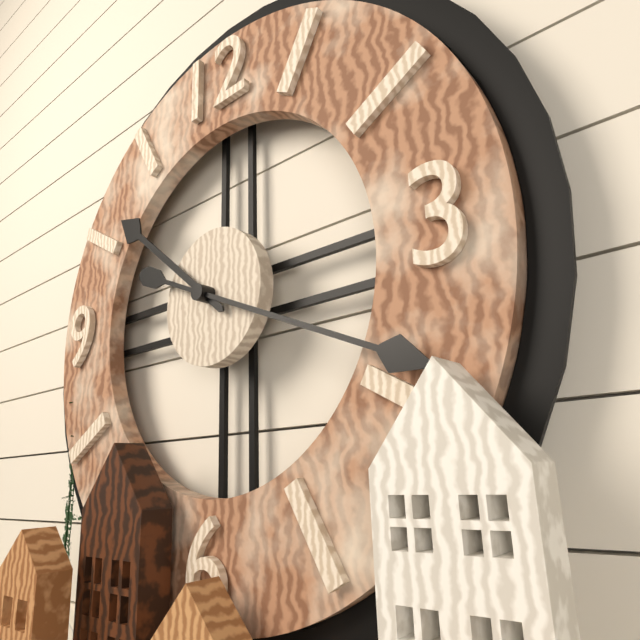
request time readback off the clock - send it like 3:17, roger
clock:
10:19
